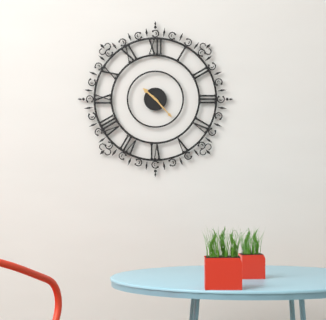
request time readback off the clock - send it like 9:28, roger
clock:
10:23
